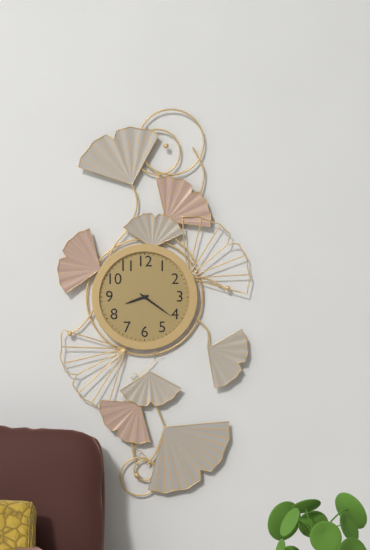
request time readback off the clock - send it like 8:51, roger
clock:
8:21
